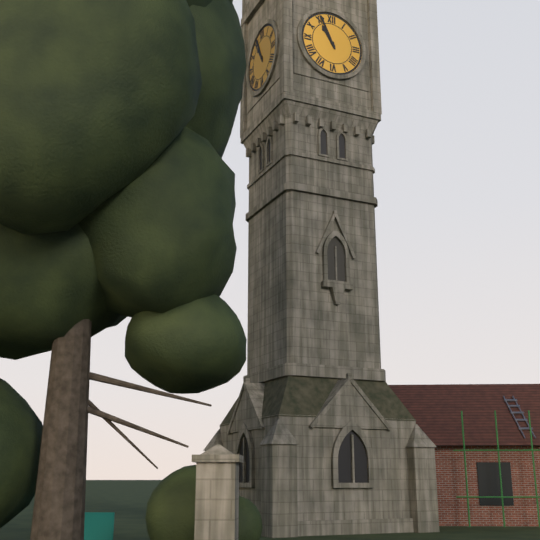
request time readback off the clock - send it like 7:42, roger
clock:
10:56
